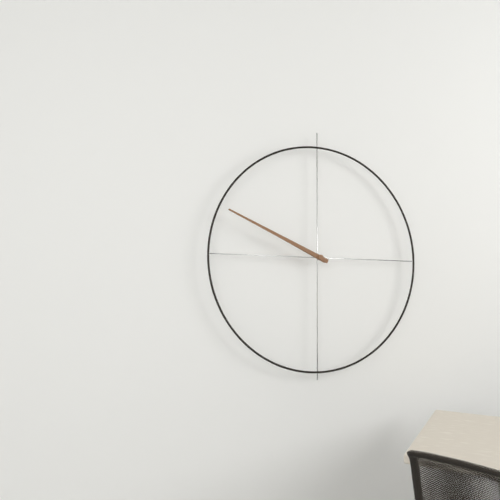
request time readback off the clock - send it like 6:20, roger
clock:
9:49
